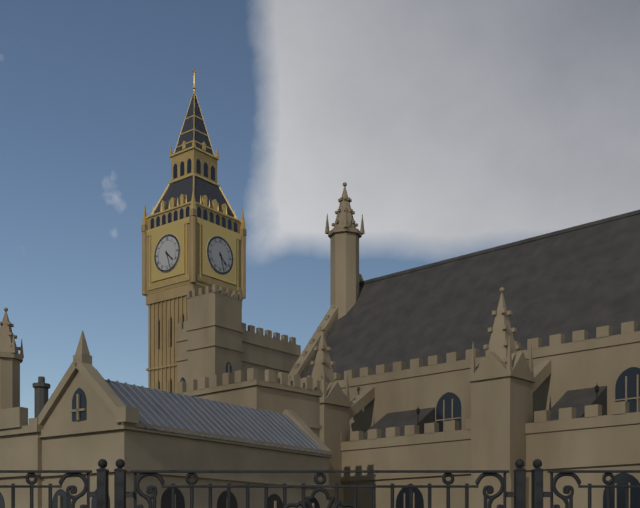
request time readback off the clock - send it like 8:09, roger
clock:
4:27
